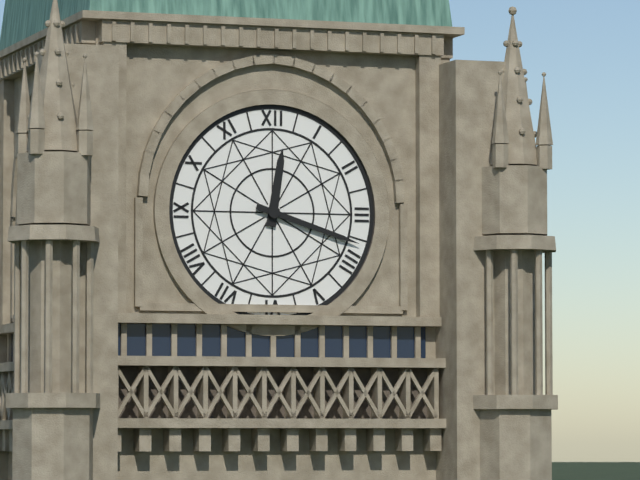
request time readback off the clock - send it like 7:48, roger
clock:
12:18
